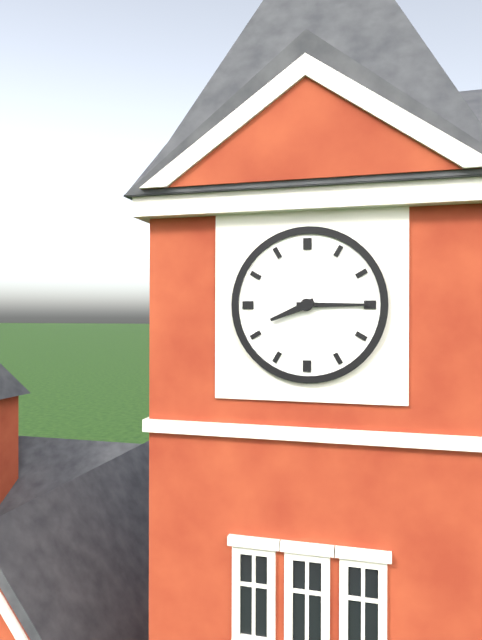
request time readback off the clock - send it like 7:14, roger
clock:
8:15
